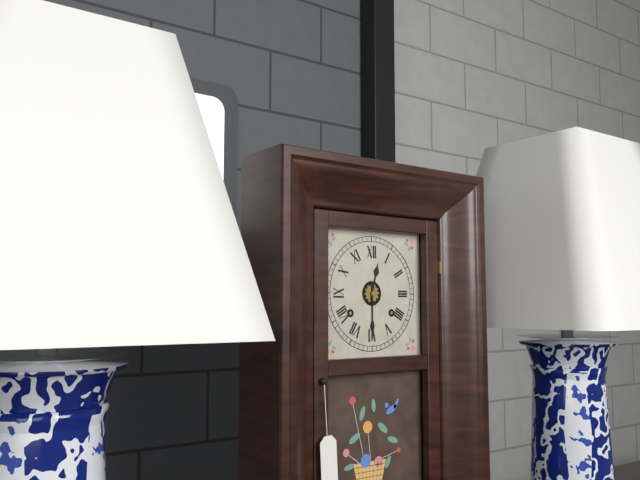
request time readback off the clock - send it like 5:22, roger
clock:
12:30
